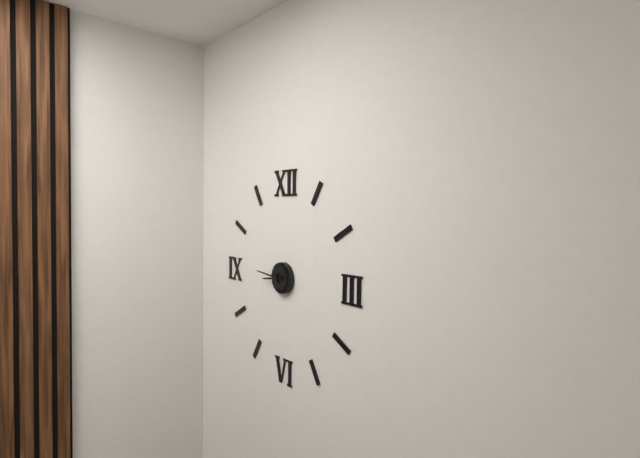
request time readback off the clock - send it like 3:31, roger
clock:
8:46
